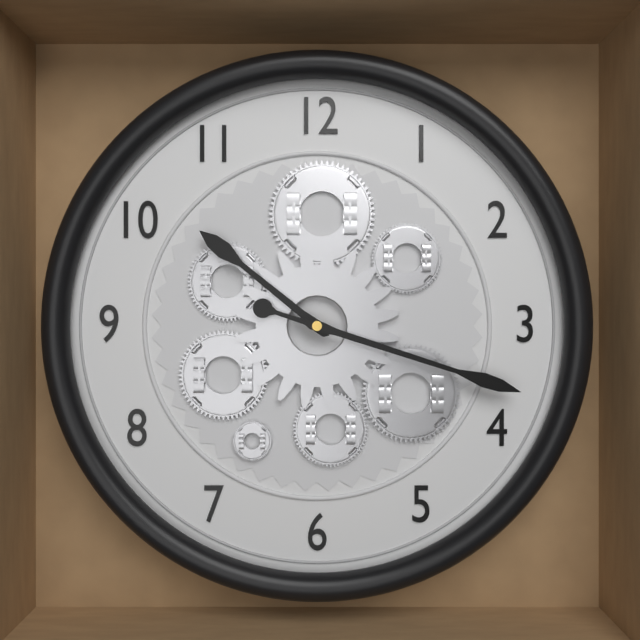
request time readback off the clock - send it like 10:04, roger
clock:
10:18
